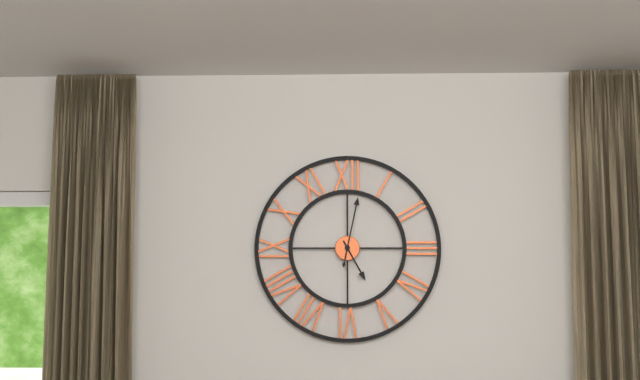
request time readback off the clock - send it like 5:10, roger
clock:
5:02
